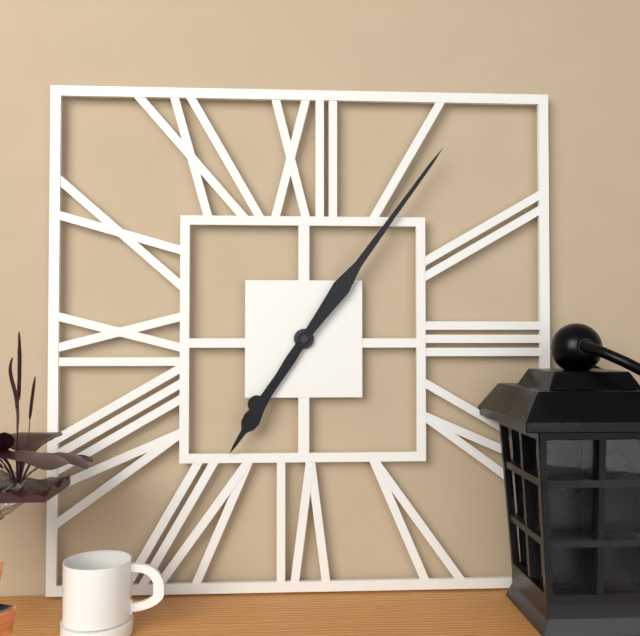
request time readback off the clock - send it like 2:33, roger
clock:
7:06
